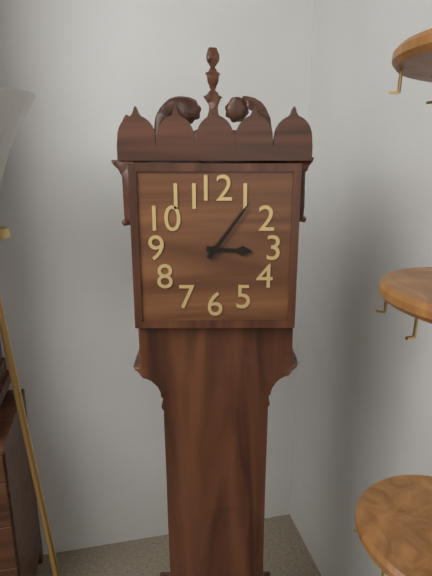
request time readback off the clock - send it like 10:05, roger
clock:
3:06
